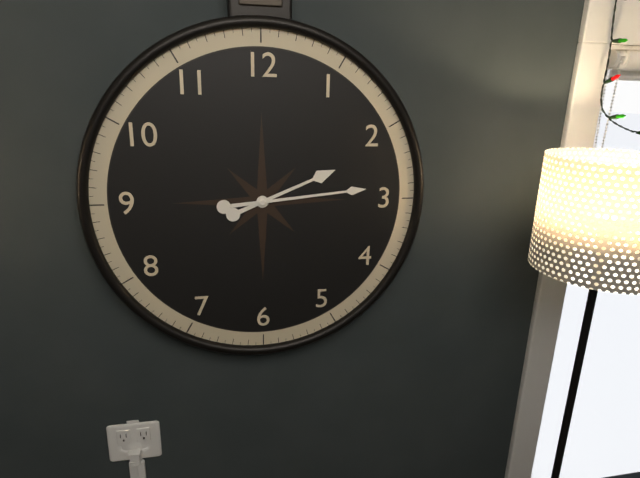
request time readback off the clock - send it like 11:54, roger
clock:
2:14
